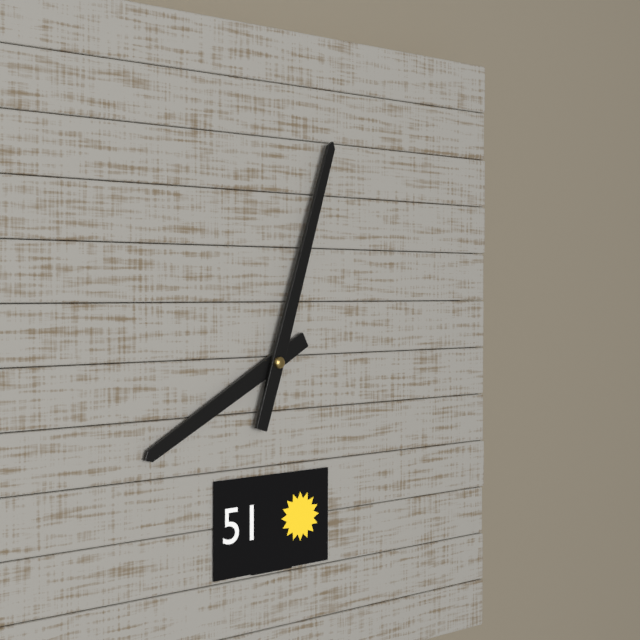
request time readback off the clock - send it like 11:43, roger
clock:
8:03
